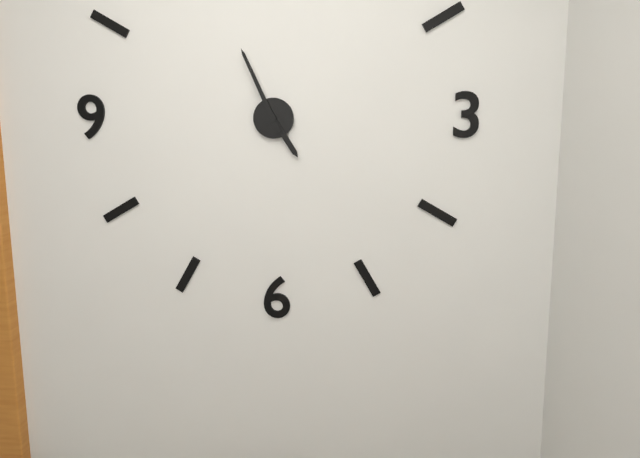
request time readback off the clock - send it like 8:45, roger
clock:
4:56
